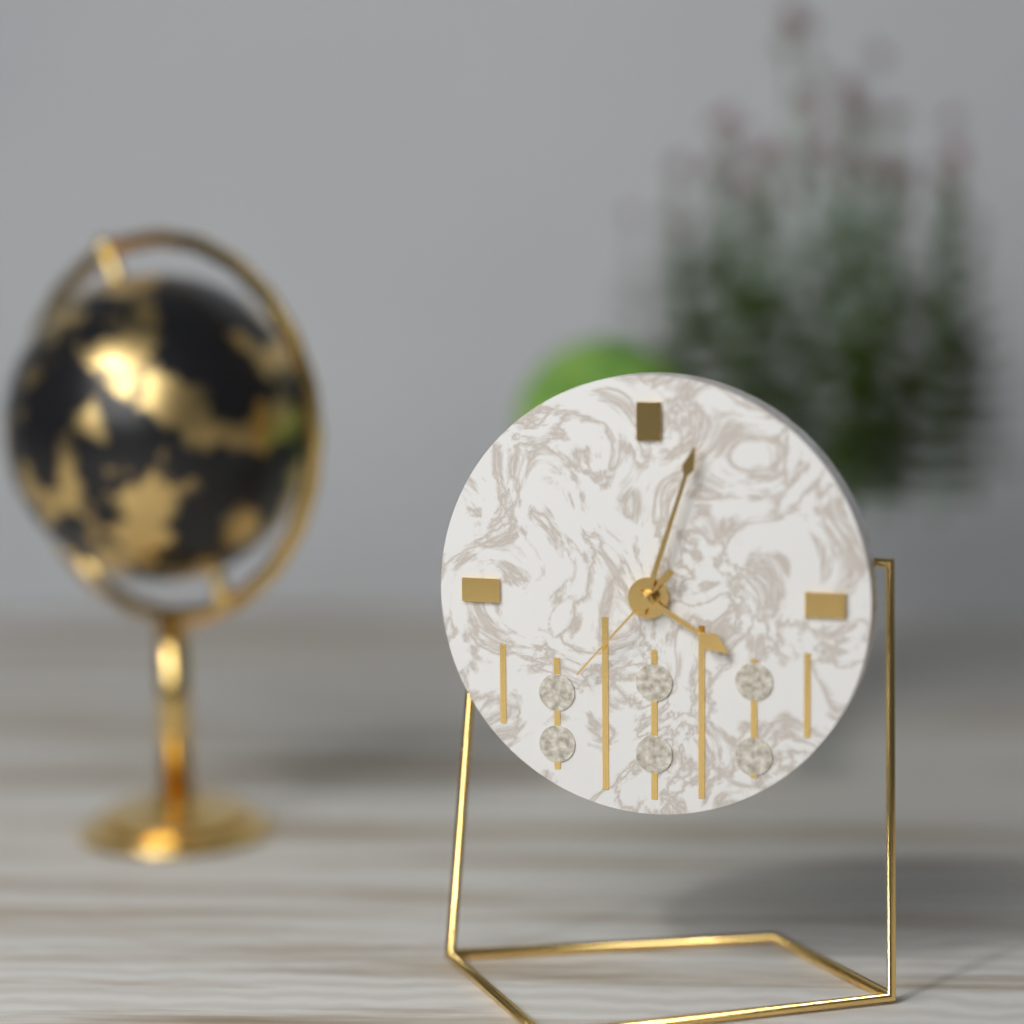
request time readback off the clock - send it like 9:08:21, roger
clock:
4:03:37
